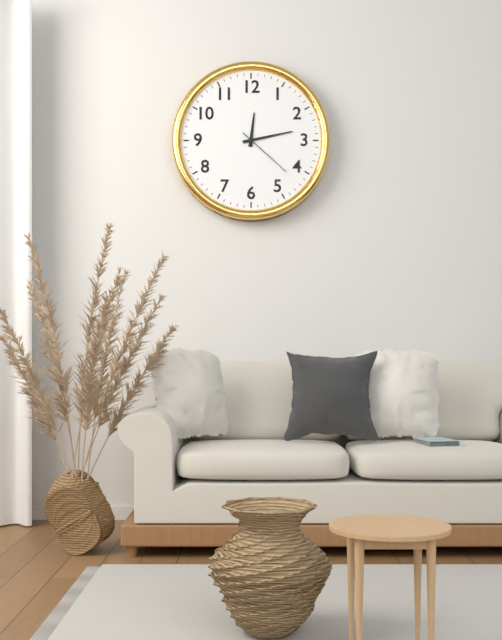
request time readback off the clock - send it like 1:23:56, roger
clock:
12:13:22
